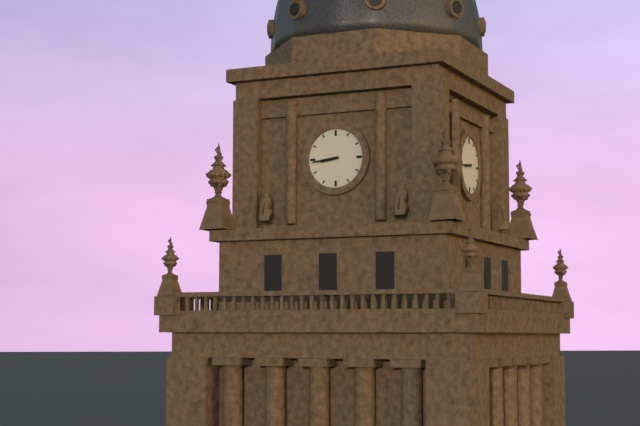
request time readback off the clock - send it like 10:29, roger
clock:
8:44
